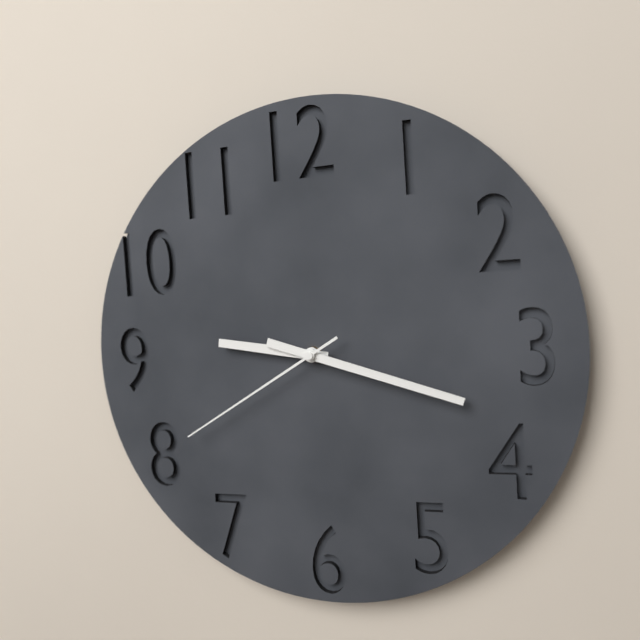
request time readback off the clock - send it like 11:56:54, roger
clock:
9:18:40
